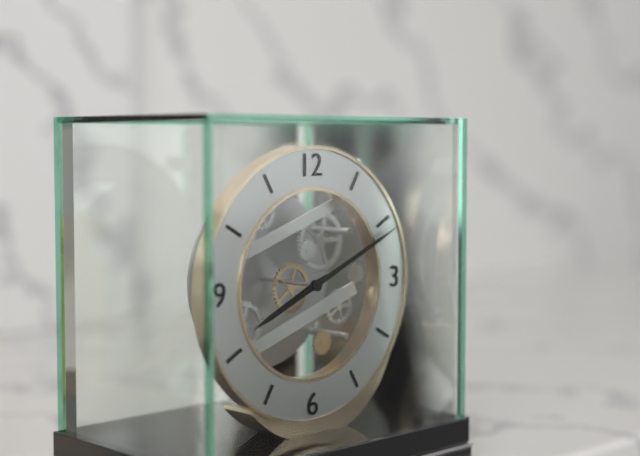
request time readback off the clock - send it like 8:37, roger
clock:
8:11
